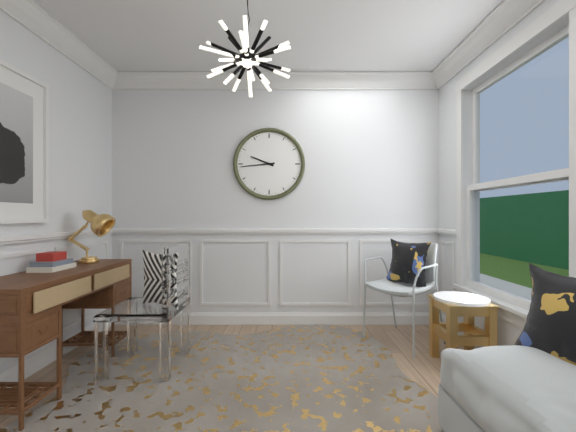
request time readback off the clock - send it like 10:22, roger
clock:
9:44
